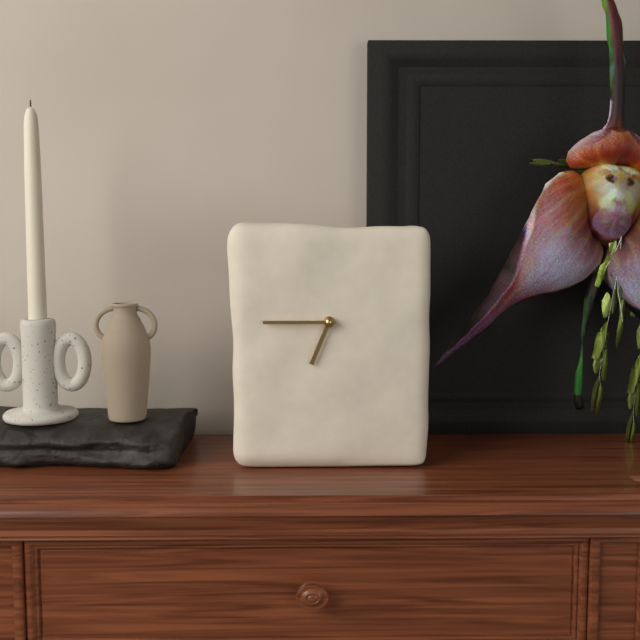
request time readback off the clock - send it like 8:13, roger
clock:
6:45
